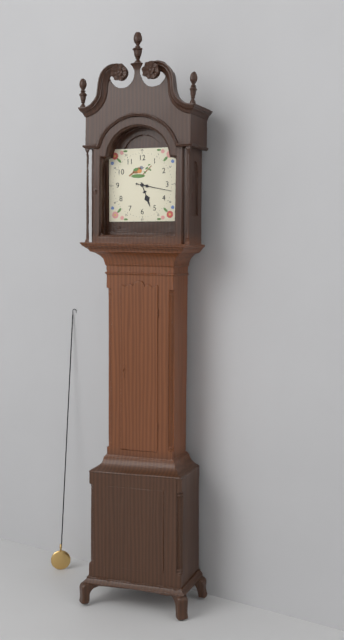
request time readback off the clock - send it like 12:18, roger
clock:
5:17
